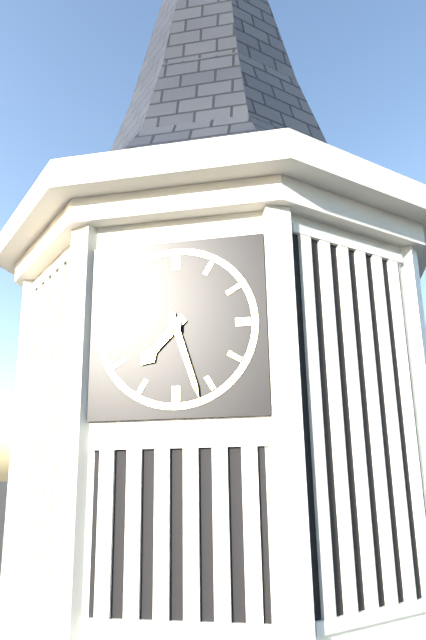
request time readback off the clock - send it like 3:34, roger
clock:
7:27
